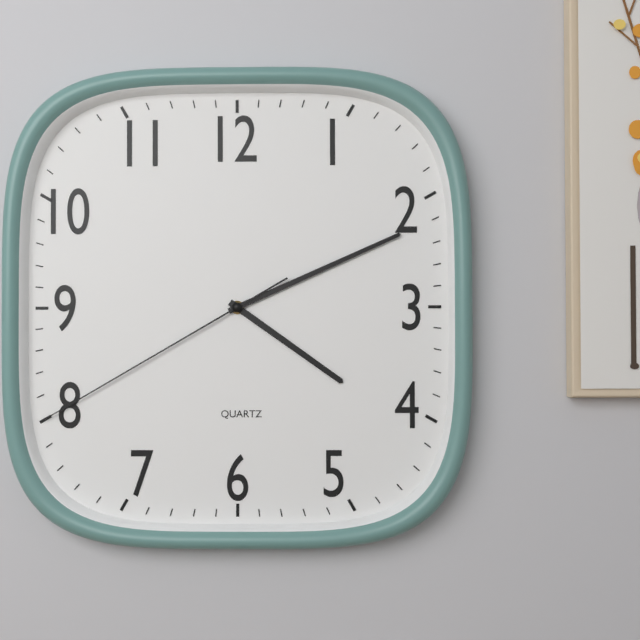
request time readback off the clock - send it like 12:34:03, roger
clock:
4:11:40
